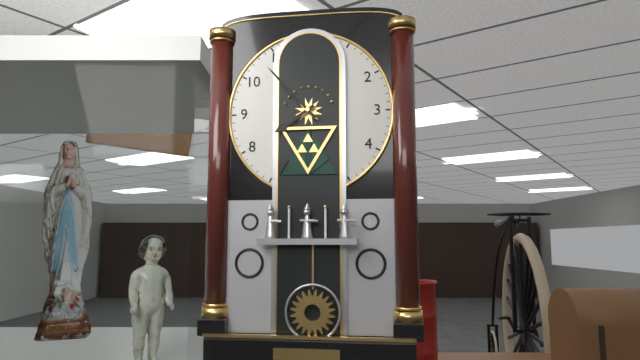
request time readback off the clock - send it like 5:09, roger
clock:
7:53
